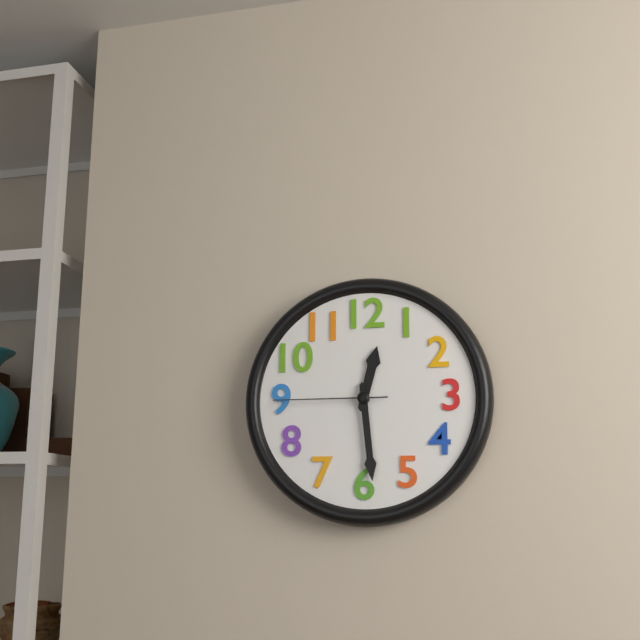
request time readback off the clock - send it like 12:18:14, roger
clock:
12:29:45
